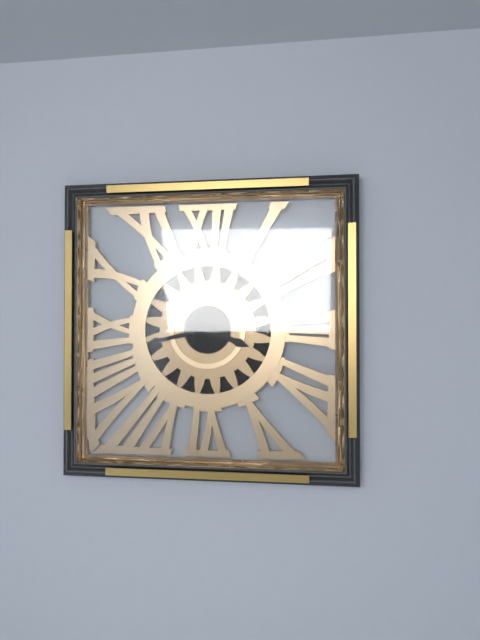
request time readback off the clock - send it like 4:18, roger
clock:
3:43
